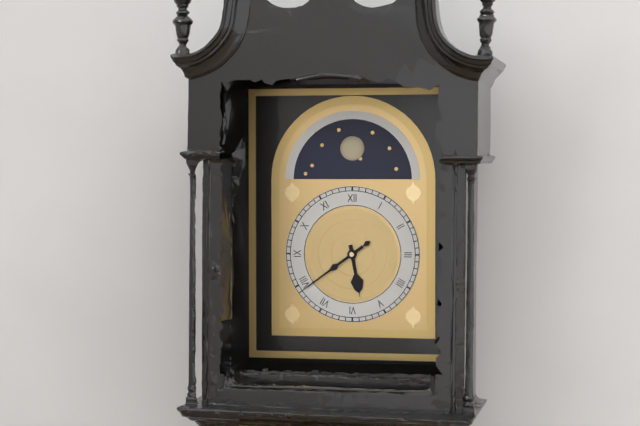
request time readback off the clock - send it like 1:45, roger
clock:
5:39
